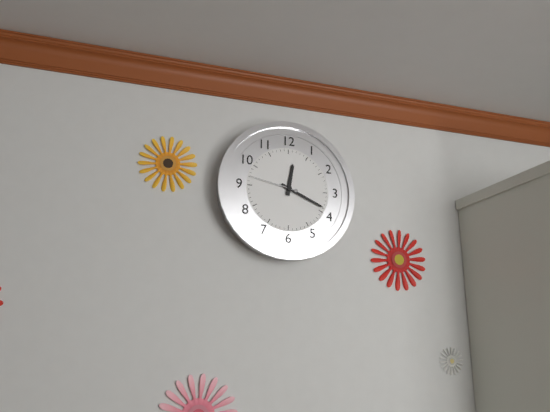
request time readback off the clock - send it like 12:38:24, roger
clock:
12:19:47
